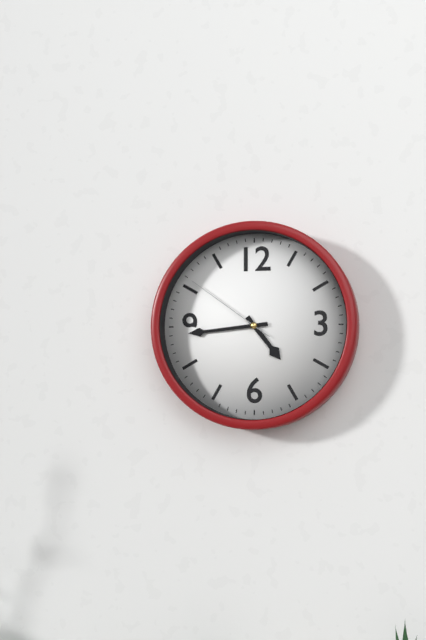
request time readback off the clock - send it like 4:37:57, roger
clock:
4:44:51
